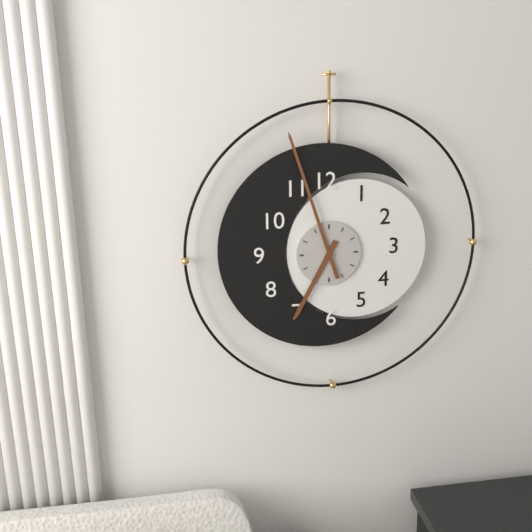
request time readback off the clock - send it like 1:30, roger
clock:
6:57
